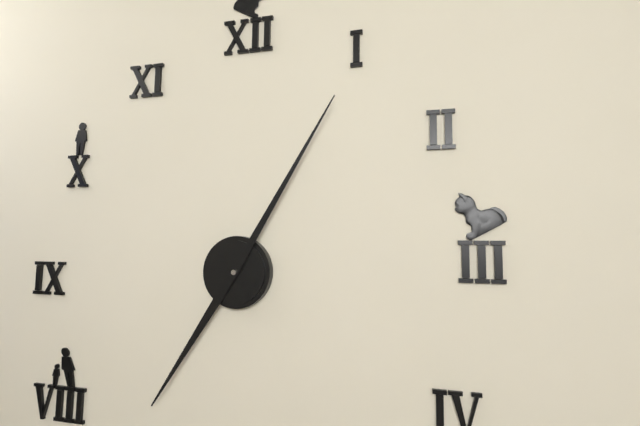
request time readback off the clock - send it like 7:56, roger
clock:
7:05
